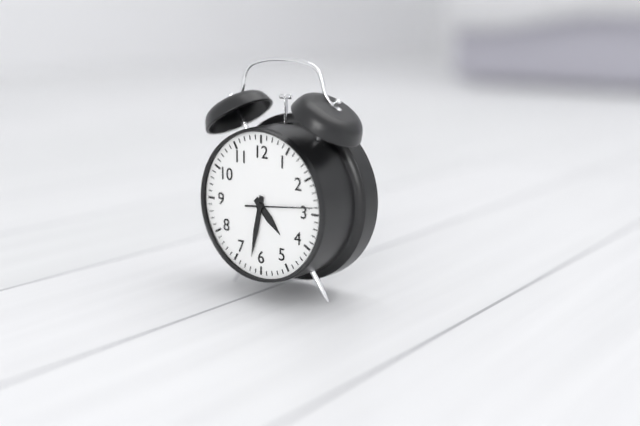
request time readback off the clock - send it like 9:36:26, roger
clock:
4:32:14
